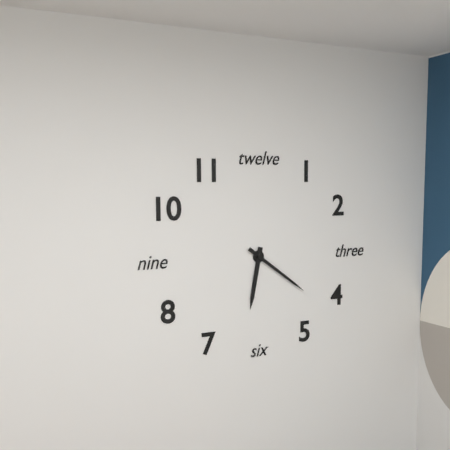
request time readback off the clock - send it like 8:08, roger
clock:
6:21
